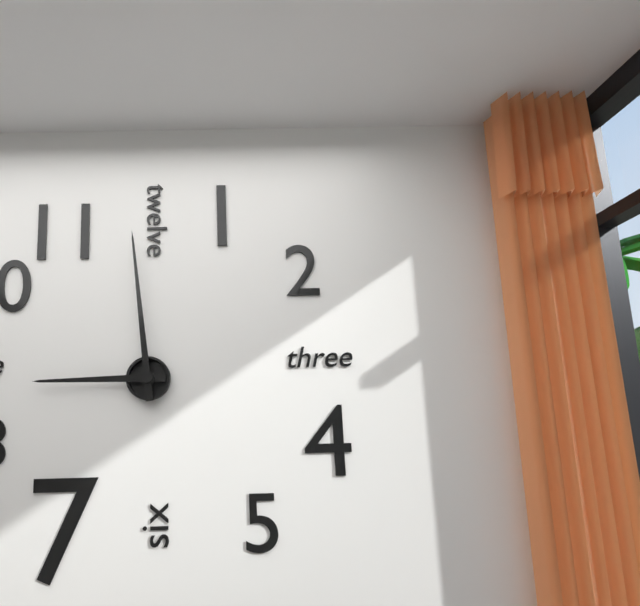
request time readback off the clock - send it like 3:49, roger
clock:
8:59
